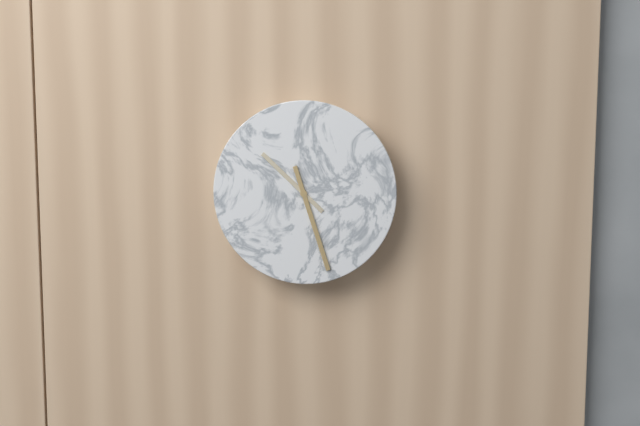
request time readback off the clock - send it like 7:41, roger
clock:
10:27
